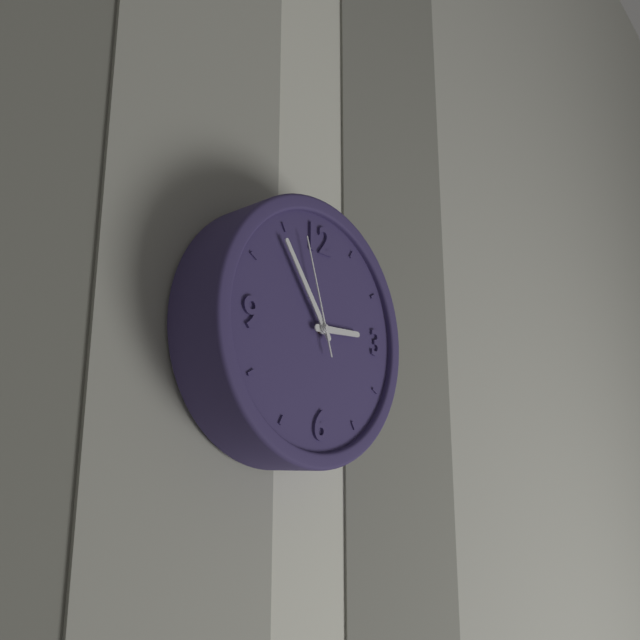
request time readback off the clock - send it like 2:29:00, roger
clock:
2:54:57
